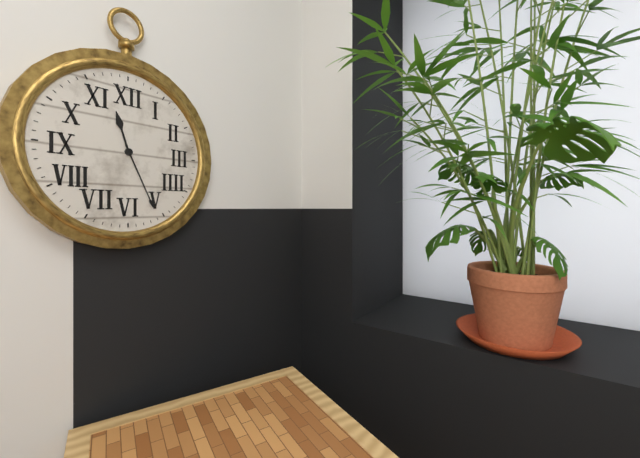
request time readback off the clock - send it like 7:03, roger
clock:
11:26
